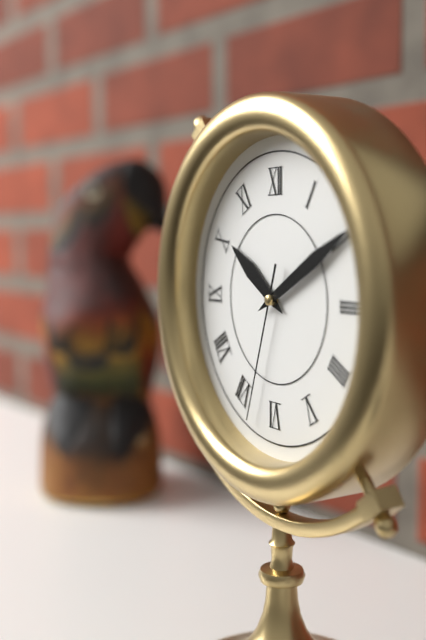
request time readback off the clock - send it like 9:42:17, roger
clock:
10:10:33
